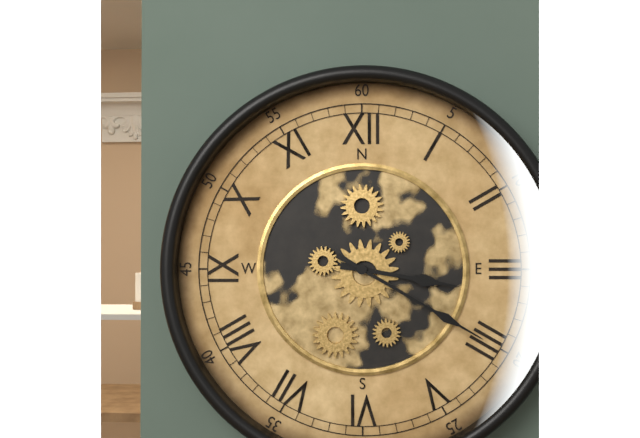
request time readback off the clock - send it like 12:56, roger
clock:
3:20
